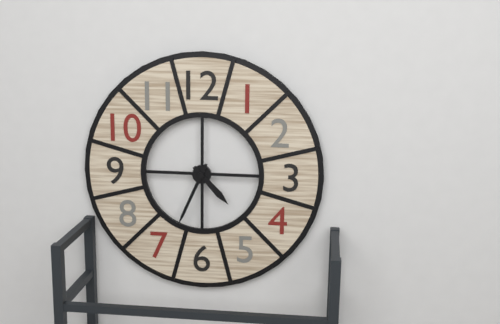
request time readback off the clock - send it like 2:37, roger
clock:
4:34
